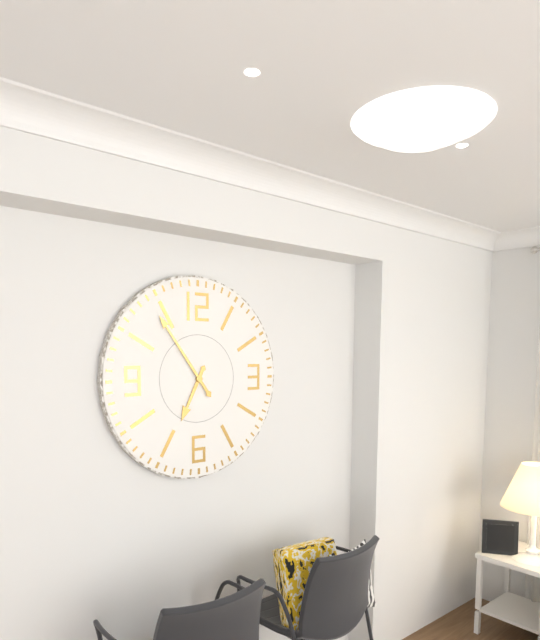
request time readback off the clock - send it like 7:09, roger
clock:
6:54
